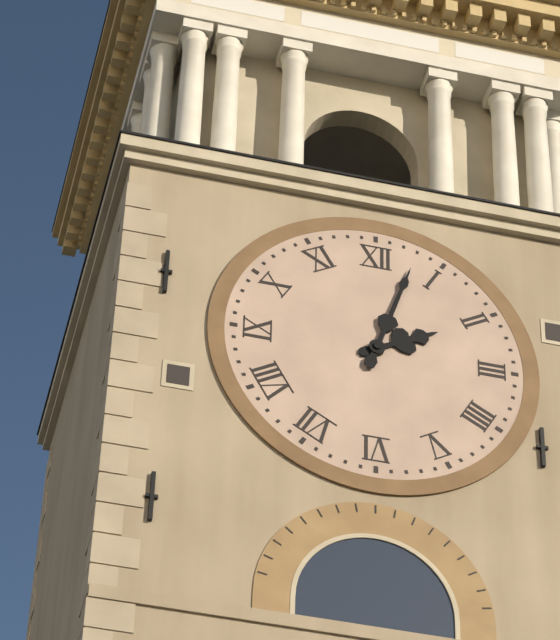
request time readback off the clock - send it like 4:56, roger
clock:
2:03
